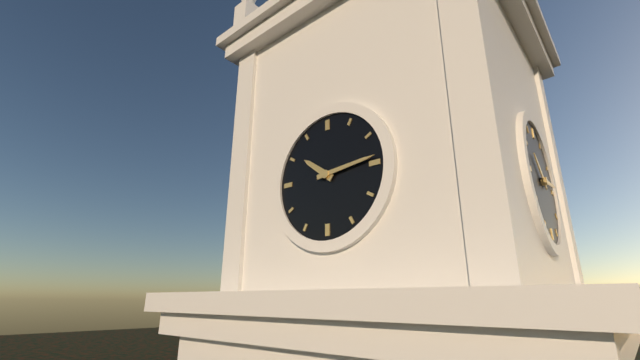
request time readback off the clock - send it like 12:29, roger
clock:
10:14
